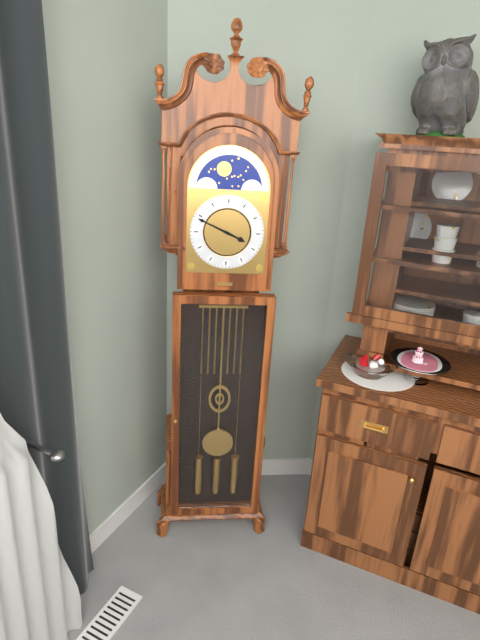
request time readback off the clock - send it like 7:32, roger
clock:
3:49
